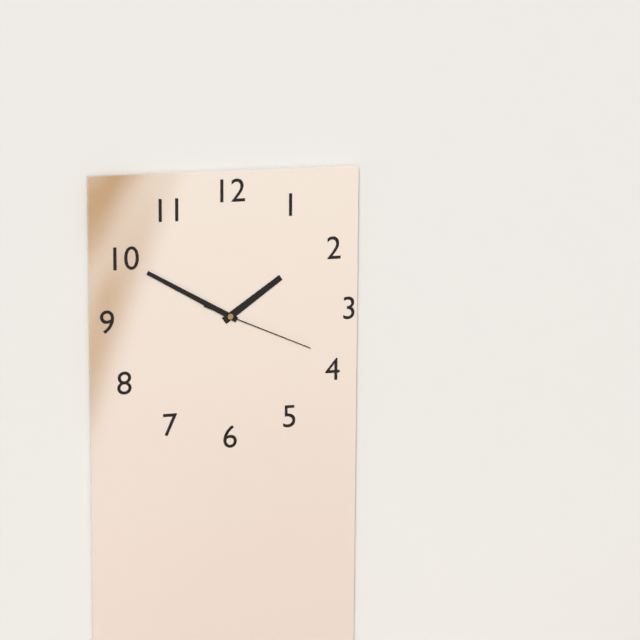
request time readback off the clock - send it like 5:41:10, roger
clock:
1:50:19
